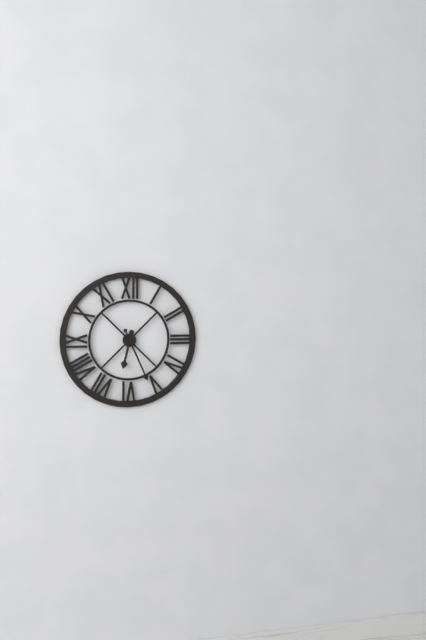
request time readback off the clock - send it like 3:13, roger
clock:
6:26
